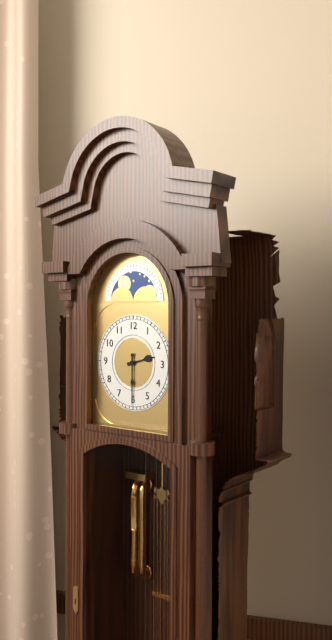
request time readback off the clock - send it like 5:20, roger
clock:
2:30
